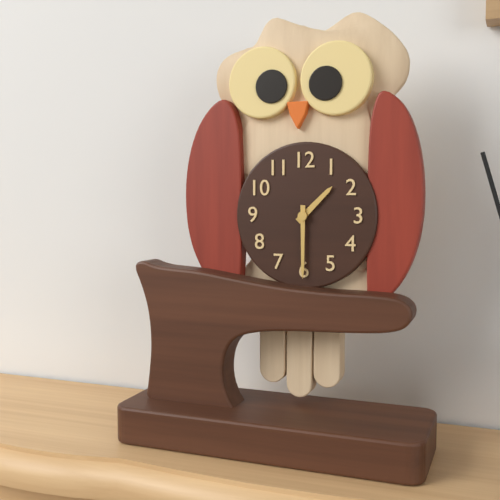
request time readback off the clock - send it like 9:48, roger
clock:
1:30
